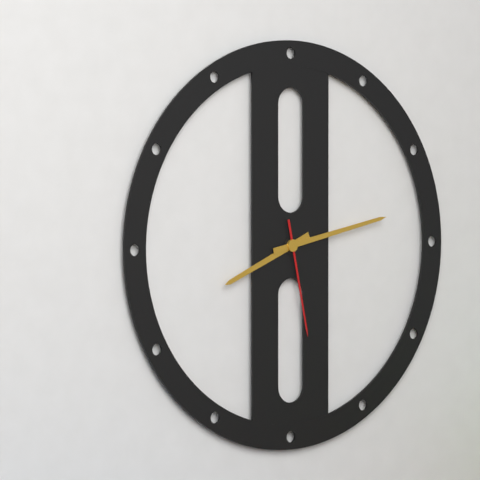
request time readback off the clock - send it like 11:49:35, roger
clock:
8:13:28
